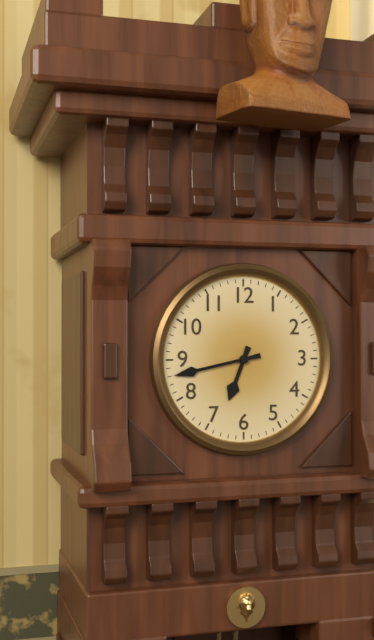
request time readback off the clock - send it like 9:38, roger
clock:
6:43
